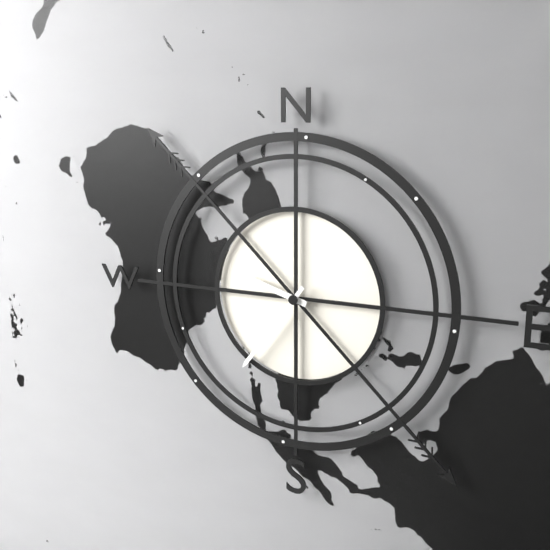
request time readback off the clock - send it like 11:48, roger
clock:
9:36
